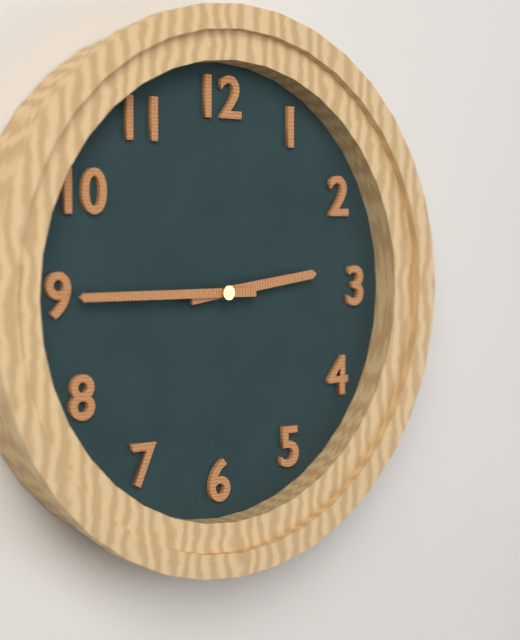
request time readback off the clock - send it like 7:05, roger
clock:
2:45
